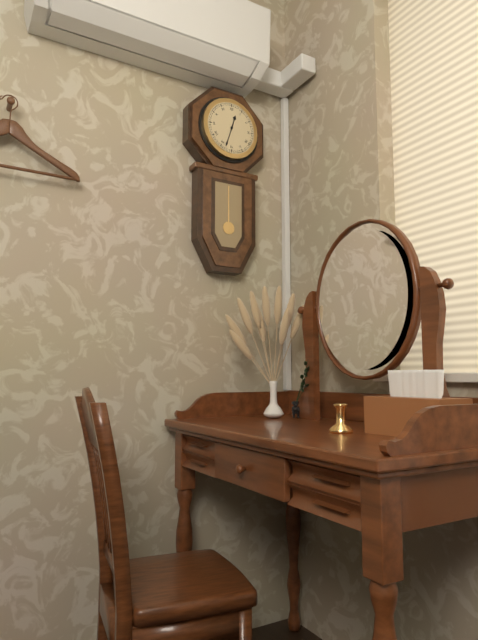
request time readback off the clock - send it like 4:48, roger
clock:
12:33
